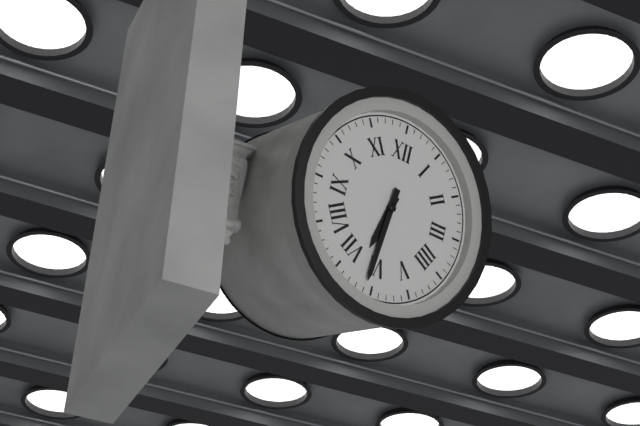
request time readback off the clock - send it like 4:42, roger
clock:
6:31
